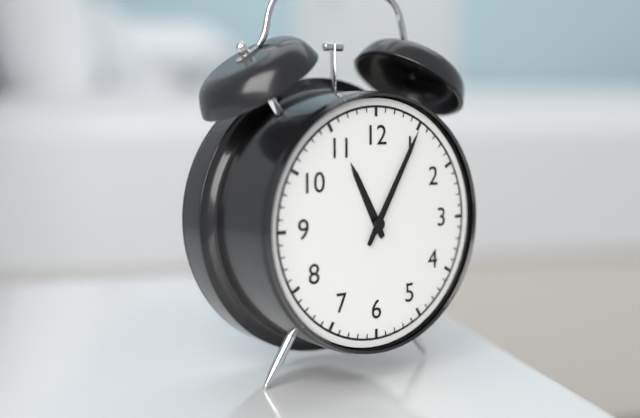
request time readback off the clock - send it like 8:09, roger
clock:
11:05
